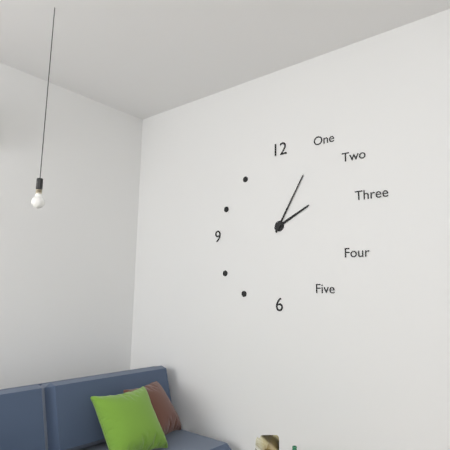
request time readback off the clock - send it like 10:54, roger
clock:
2:05
